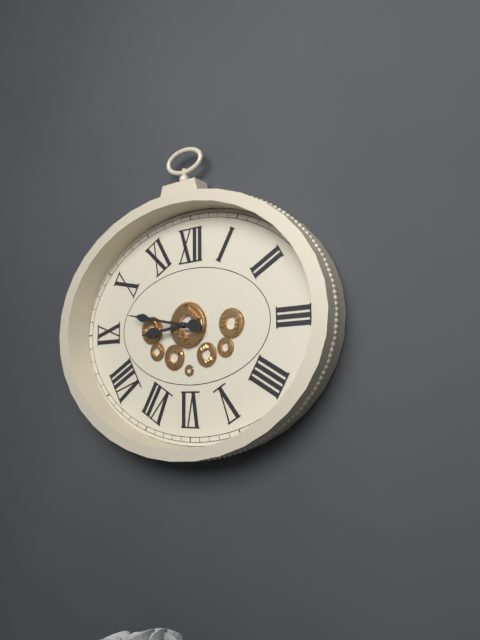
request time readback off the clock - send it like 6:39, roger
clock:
8:47
